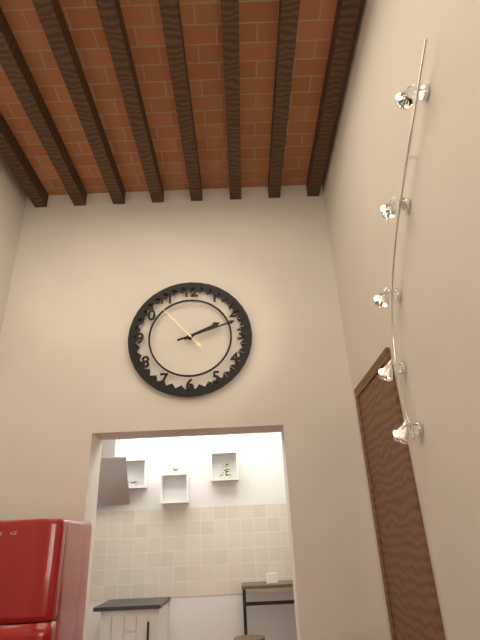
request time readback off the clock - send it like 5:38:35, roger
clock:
2:12:53
